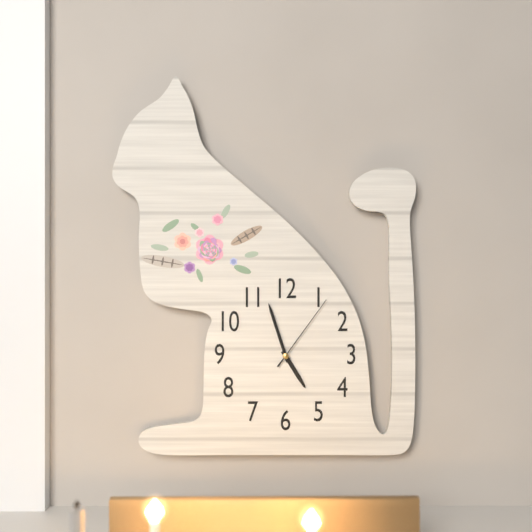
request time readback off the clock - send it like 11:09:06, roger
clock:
4:57:06
